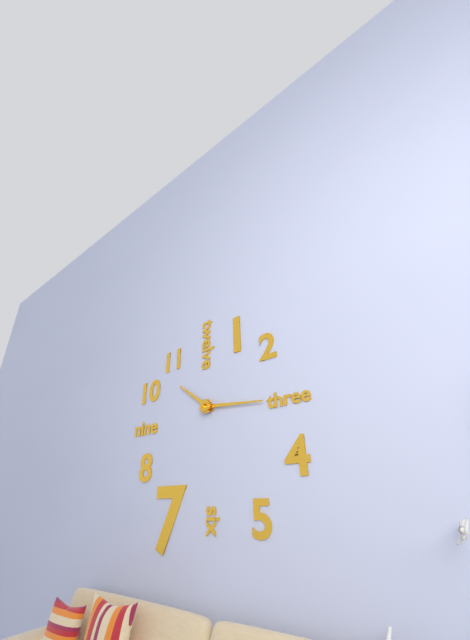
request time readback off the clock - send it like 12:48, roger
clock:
10:16
